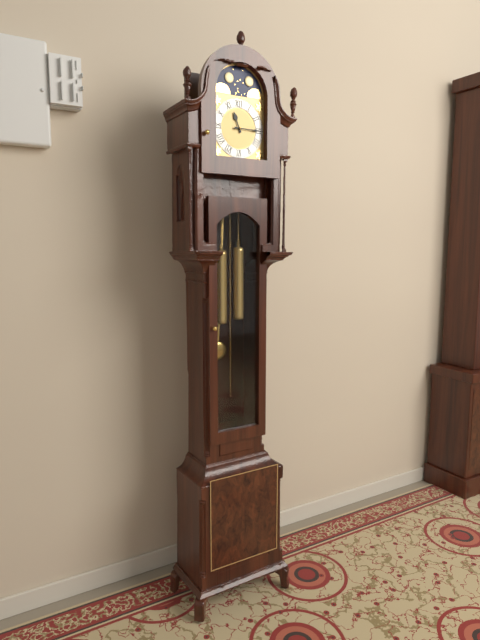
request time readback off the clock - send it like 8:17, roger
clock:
11:15
